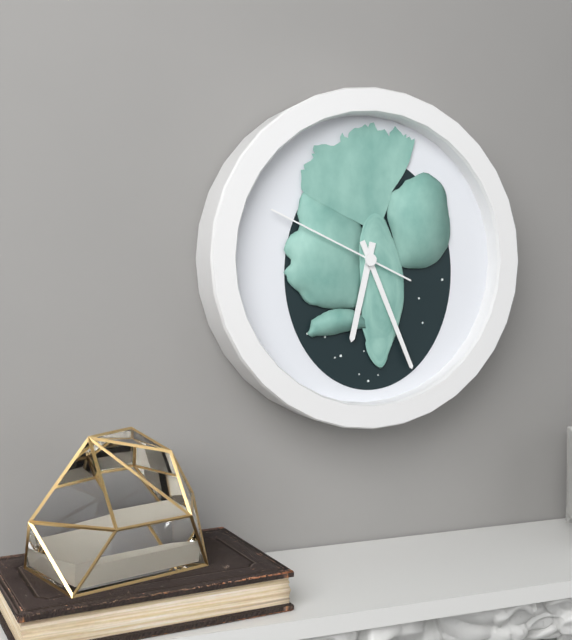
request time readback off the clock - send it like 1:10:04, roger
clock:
6:26:49
